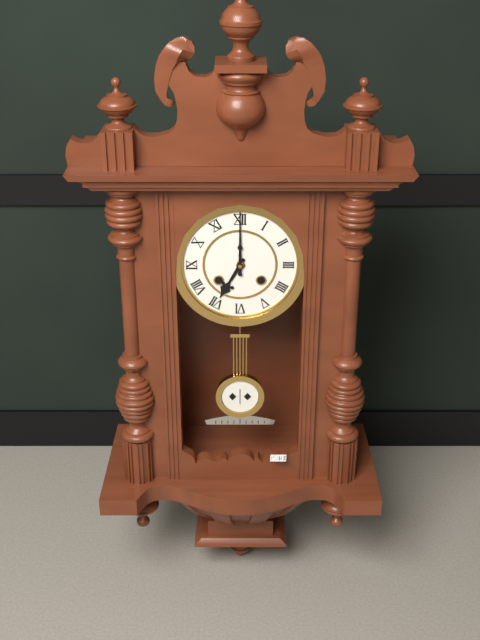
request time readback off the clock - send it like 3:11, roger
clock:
7:00
